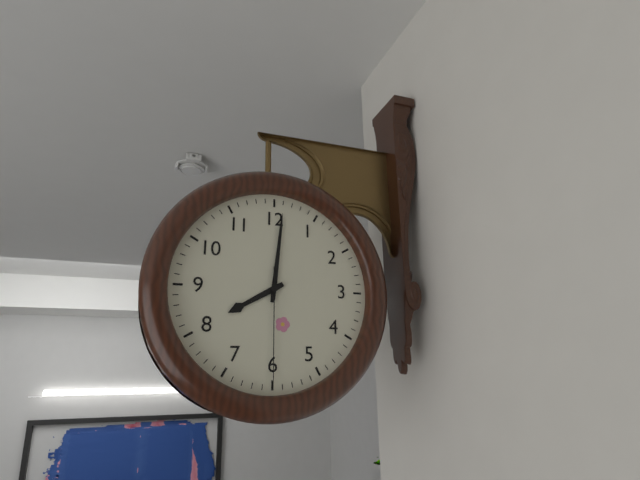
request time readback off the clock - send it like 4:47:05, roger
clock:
8:01:30
